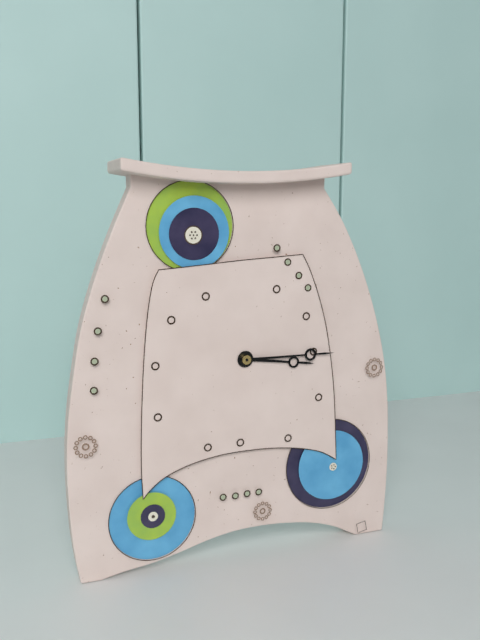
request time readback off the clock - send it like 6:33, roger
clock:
3:15
